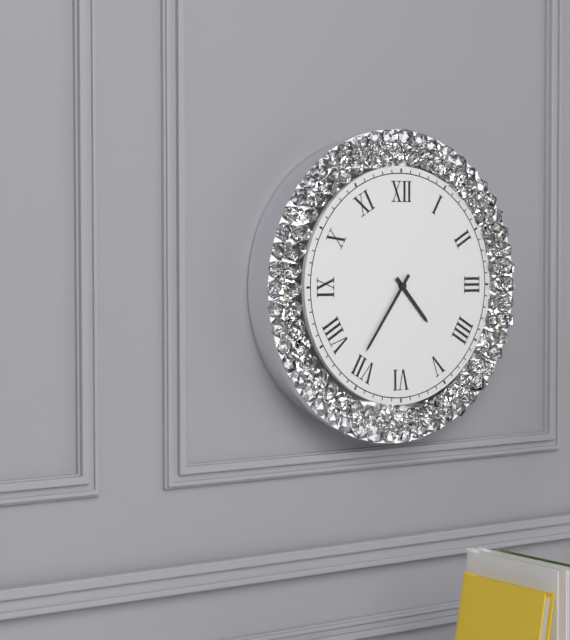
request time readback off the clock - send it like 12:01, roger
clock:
4:36
